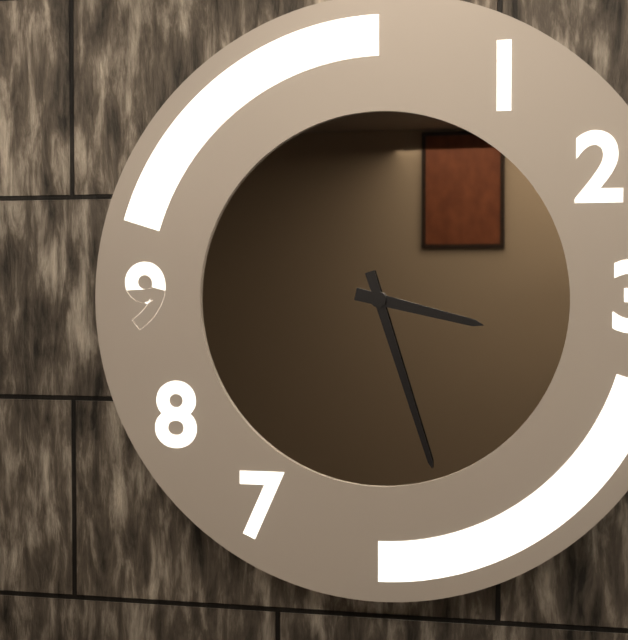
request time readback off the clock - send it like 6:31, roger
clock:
3:27
